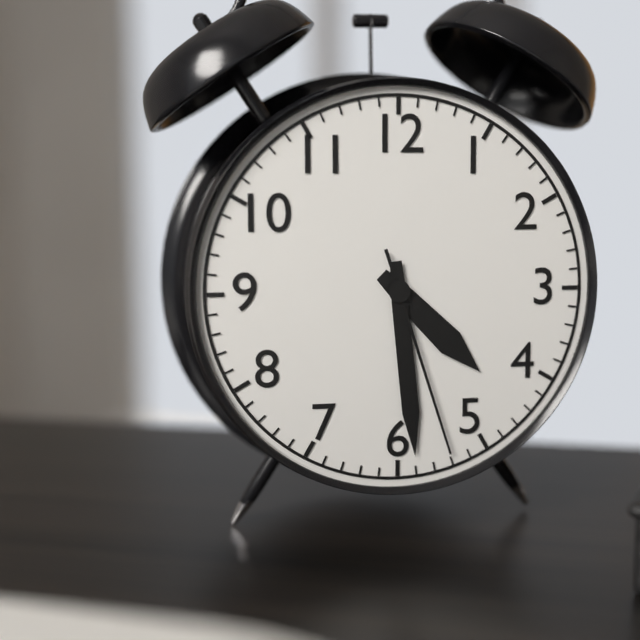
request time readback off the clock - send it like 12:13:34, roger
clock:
4:29:27
